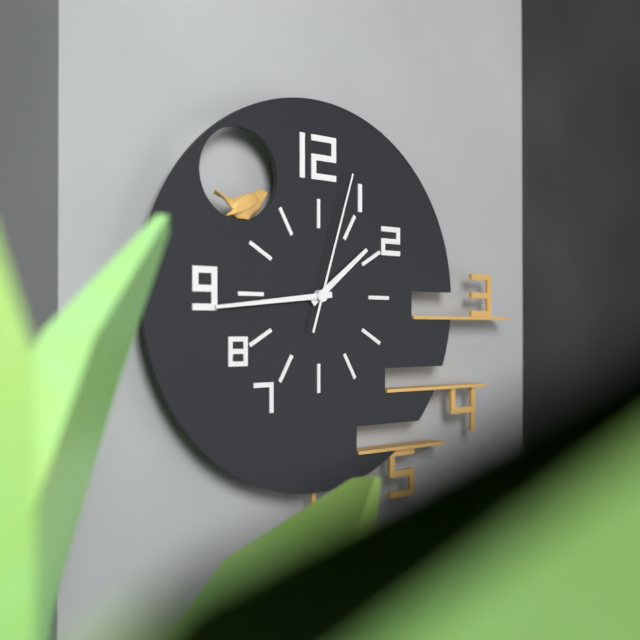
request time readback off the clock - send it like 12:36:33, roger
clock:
1:44:03
